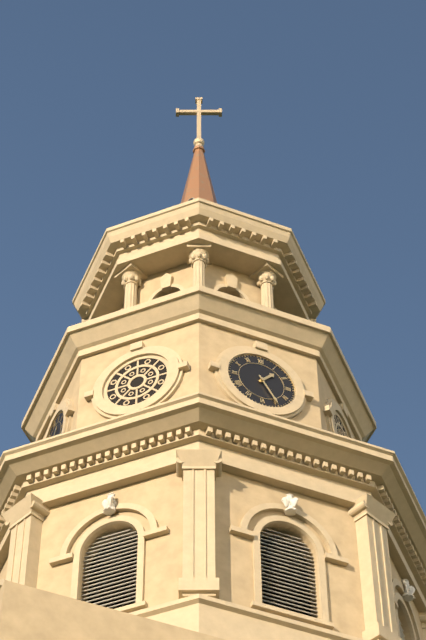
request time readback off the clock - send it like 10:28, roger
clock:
1:25
